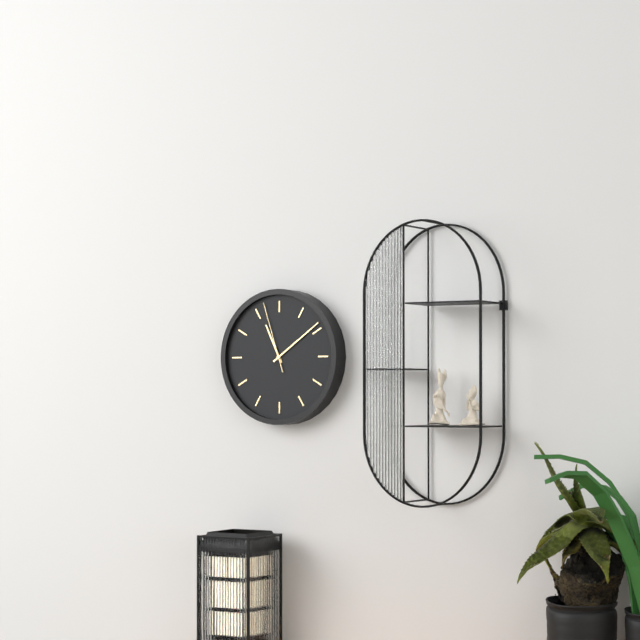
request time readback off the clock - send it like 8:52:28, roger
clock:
11:09:57
